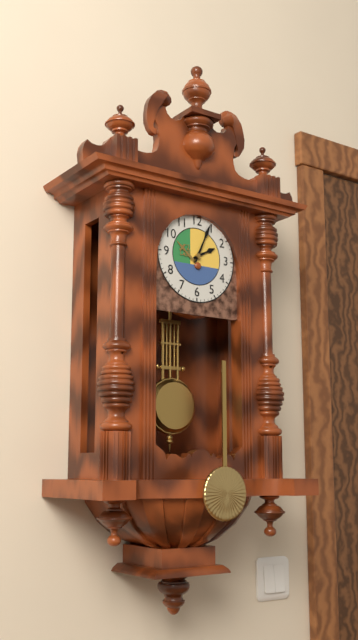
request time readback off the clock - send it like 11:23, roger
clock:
2:04
